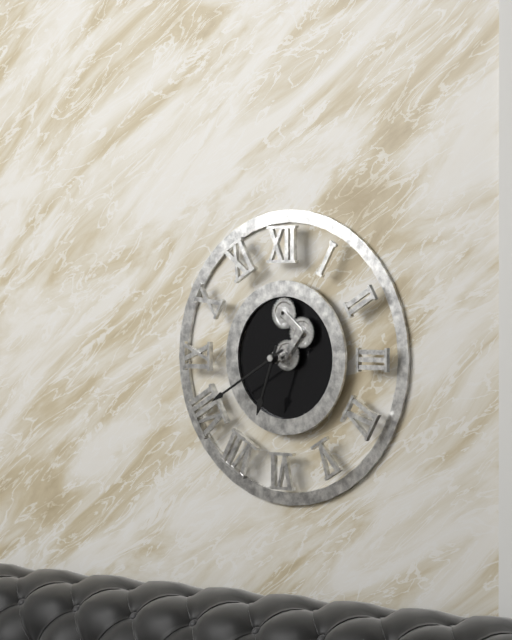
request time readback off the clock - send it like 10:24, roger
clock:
6:40
